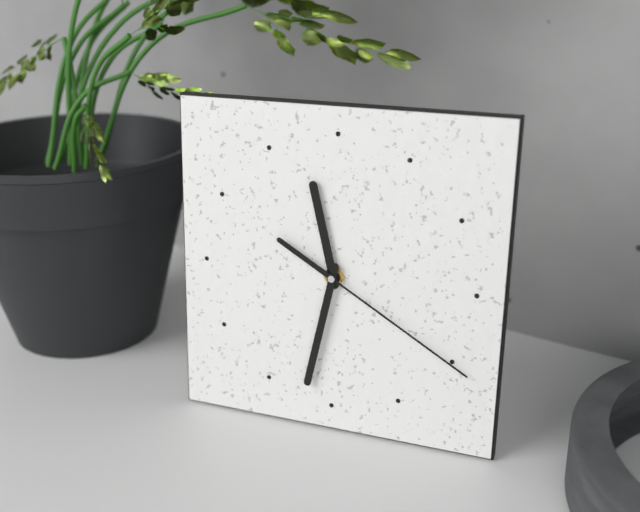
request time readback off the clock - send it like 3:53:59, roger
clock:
11:32:20
